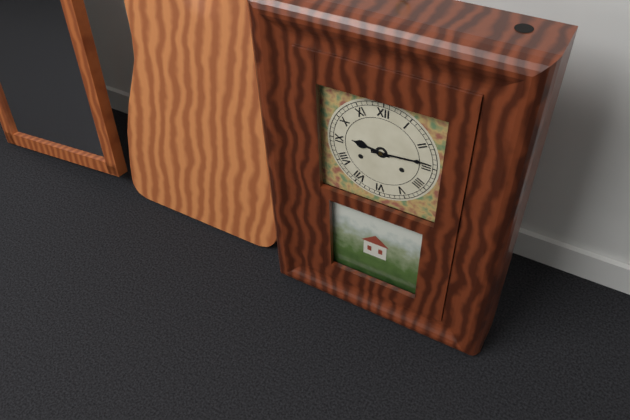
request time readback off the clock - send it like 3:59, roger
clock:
9:14
